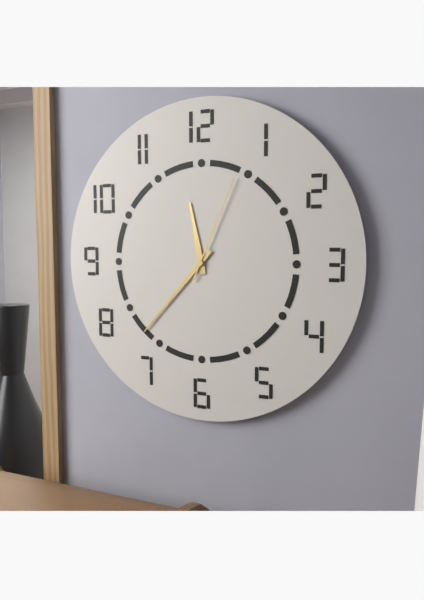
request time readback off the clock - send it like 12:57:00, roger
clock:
11:37:04
